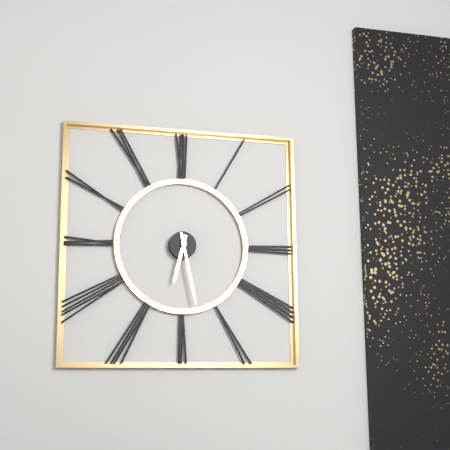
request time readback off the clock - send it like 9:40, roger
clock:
6:28
